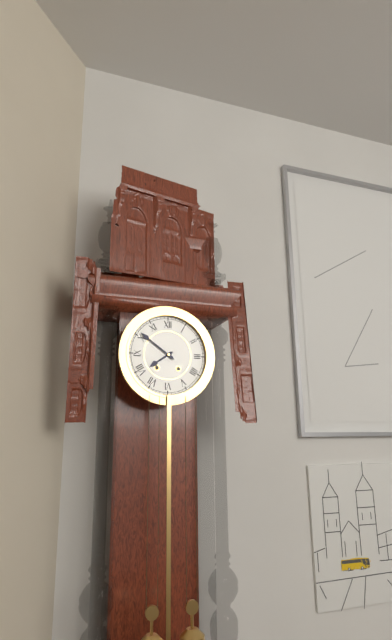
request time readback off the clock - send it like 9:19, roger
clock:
7:51
